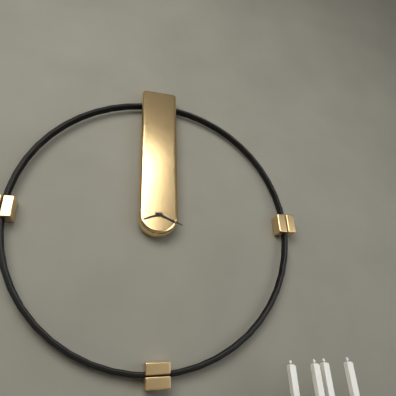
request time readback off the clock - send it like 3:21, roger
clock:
8:19
